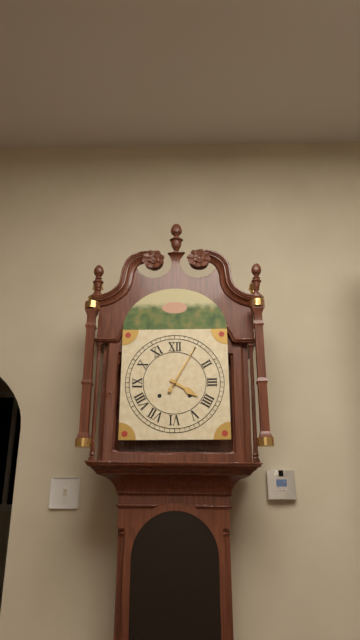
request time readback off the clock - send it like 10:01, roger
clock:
4:05
